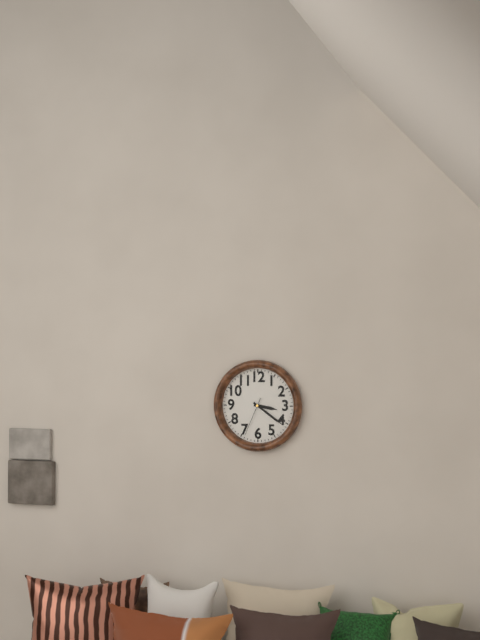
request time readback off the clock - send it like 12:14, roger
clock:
3:21
